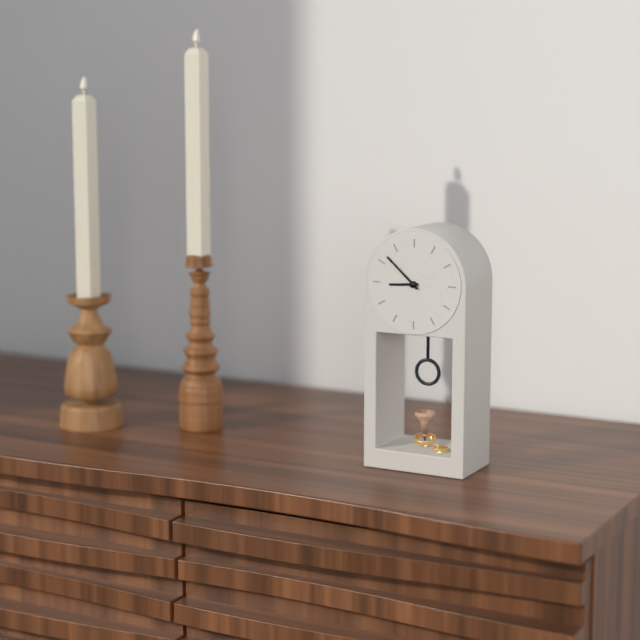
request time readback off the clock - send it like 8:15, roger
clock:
8:52
